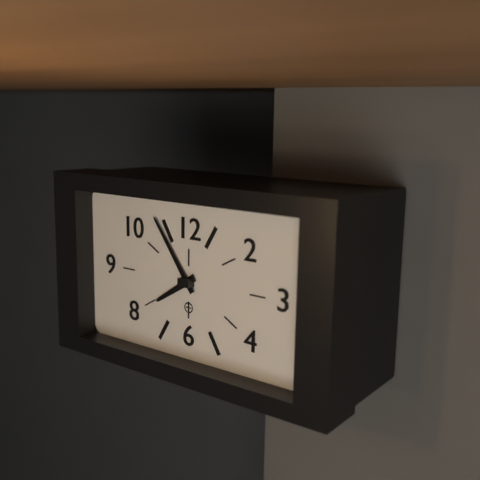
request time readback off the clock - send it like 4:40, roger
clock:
7:54
